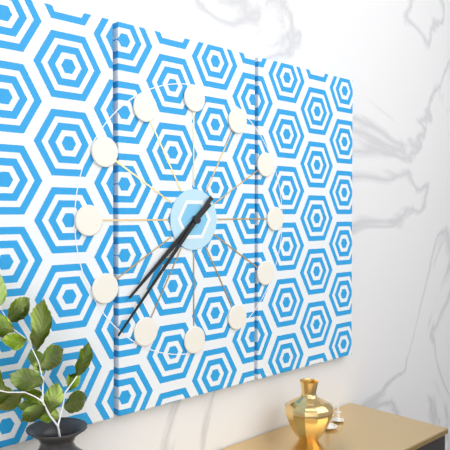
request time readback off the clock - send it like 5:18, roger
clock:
7:37
